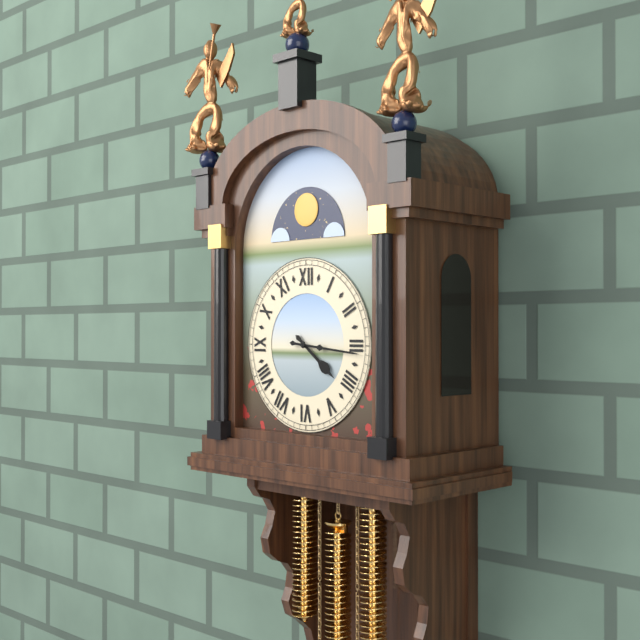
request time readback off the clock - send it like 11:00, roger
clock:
4:16
